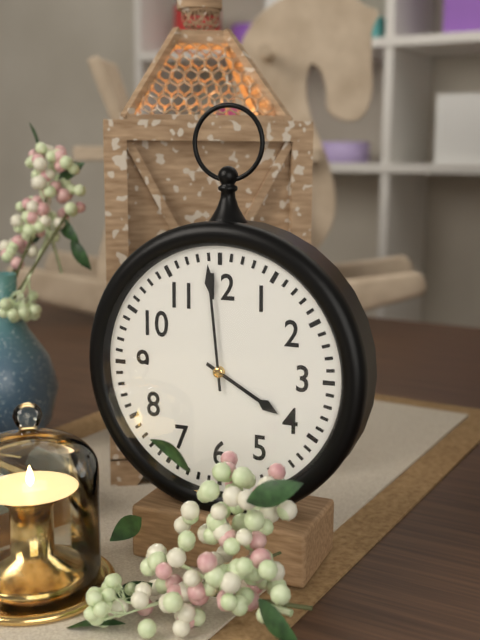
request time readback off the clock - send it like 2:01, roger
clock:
3:59
